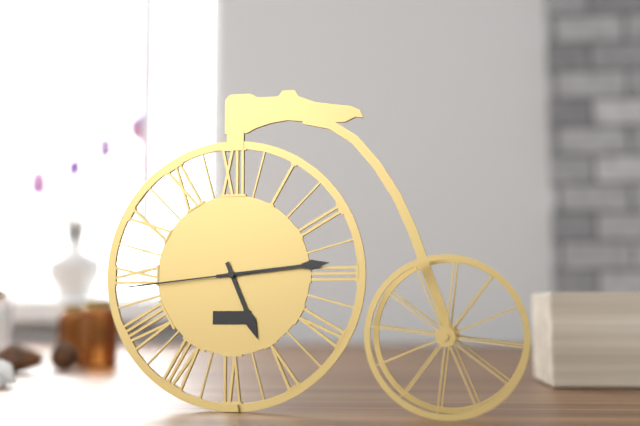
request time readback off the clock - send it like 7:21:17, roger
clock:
5:14:44
